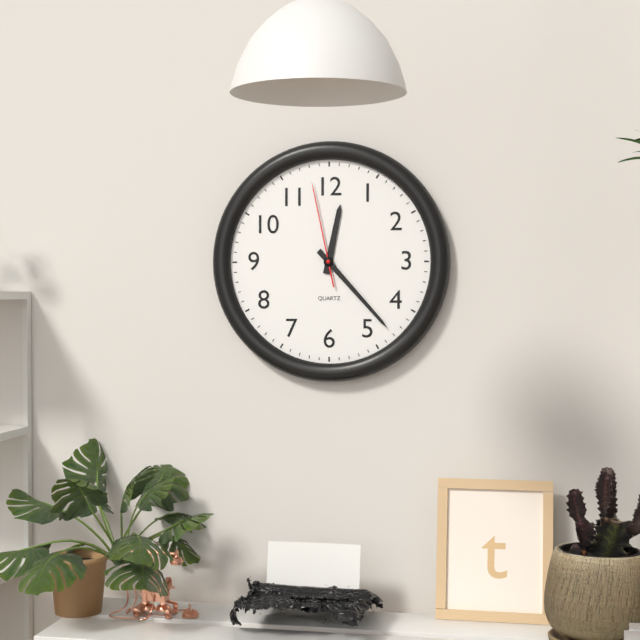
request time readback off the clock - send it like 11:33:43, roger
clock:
12:23:58
